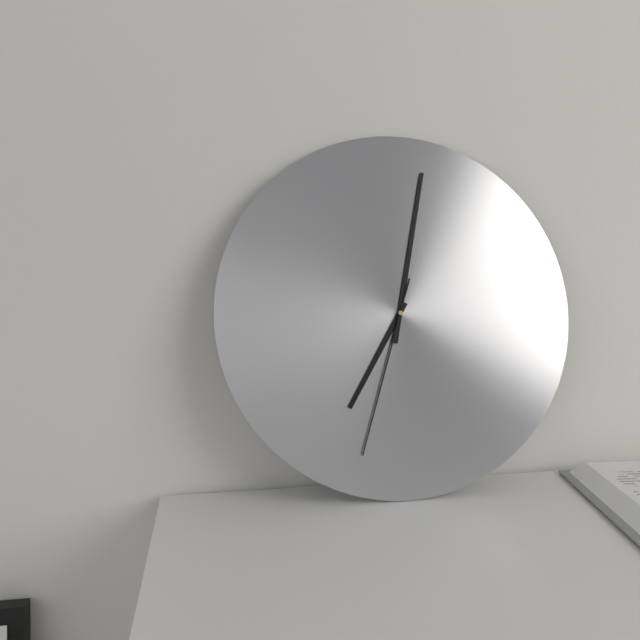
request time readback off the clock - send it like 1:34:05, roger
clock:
7:02:33
